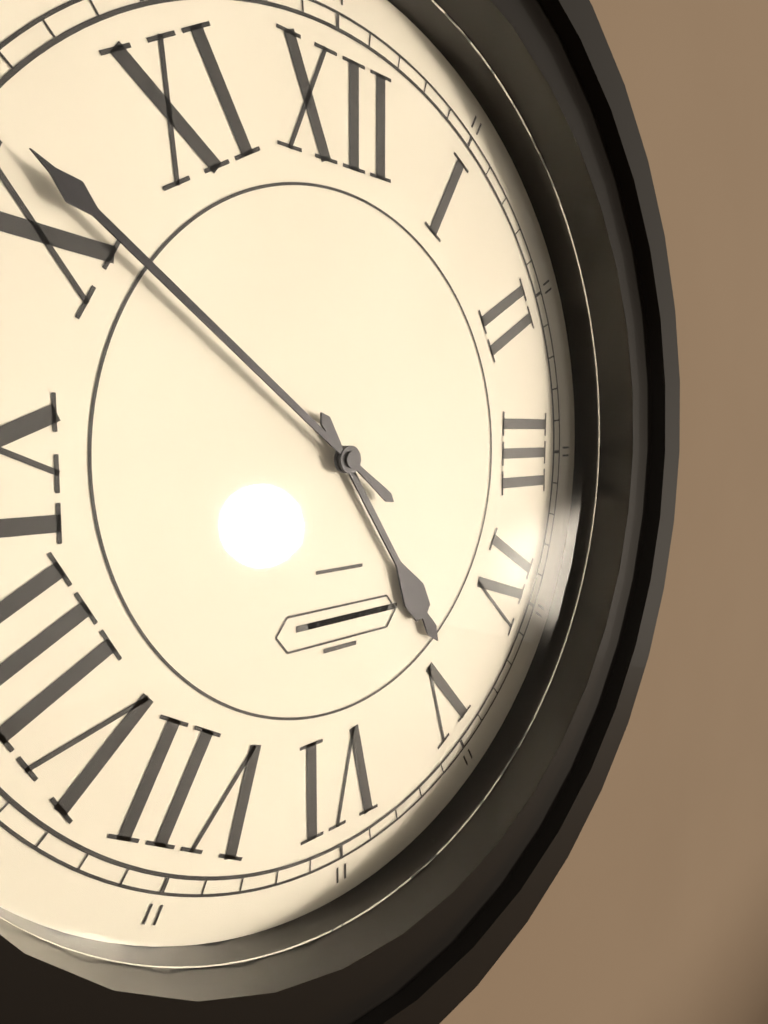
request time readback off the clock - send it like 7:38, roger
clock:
4:51
